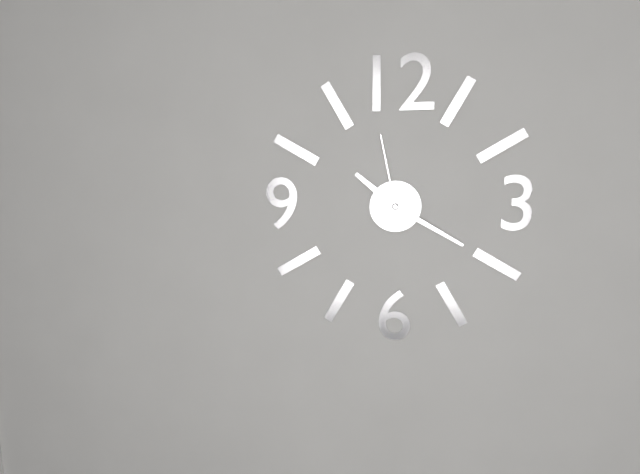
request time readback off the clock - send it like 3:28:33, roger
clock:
10:20:58
